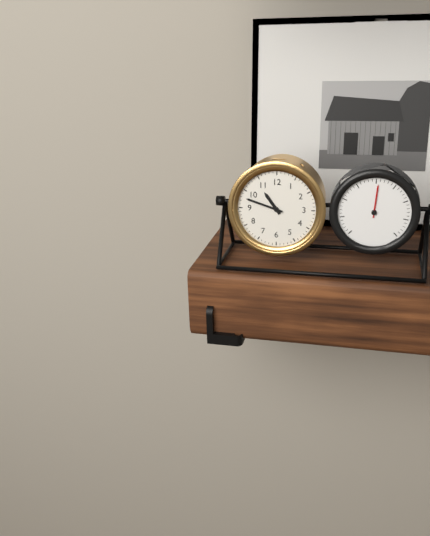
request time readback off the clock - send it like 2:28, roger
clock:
10:48
